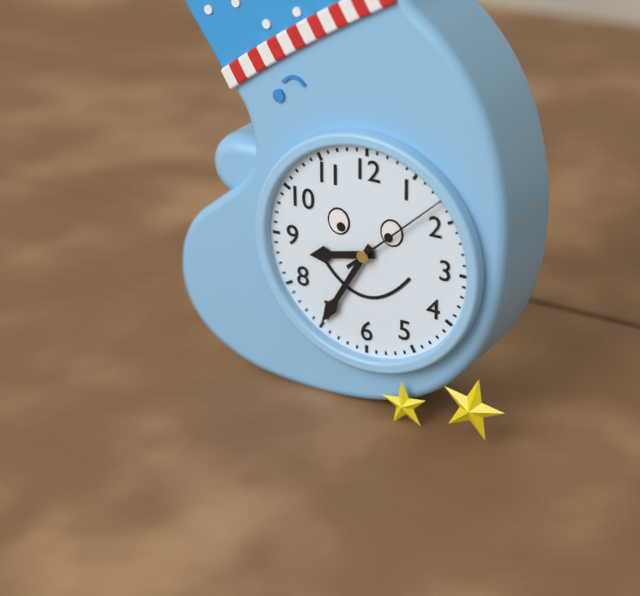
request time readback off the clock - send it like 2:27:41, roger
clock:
8:35:08
